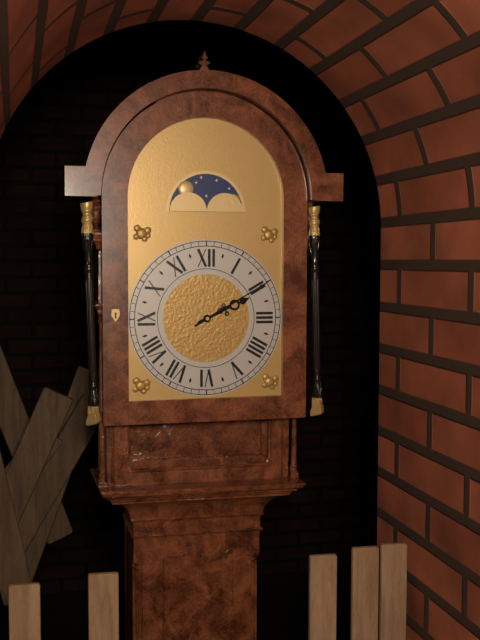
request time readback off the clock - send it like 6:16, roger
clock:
2:10
